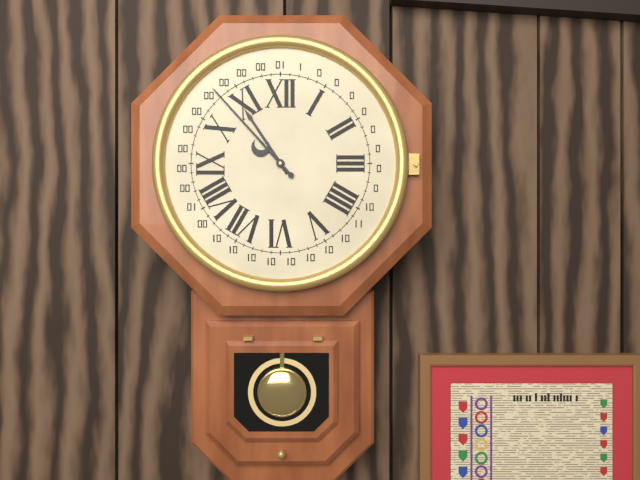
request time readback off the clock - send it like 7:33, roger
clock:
10:53
